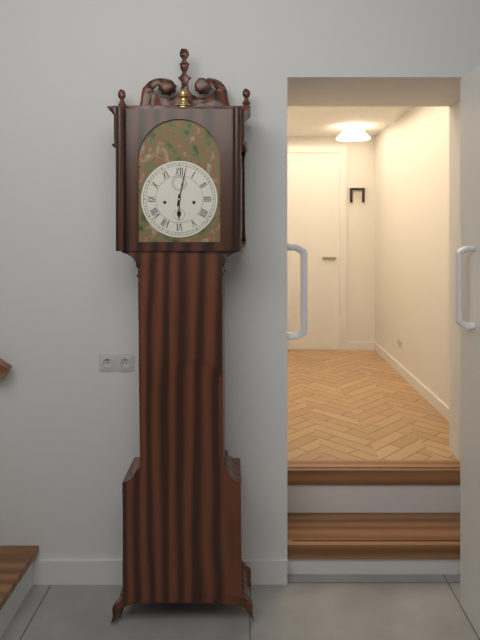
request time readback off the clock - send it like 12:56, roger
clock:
6:02
